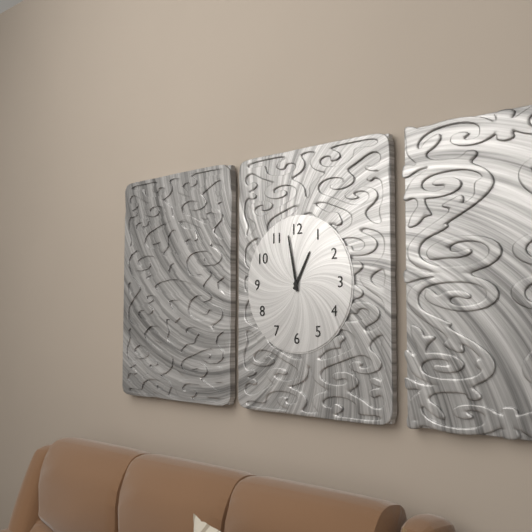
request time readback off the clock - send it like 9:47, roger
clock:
12:58
